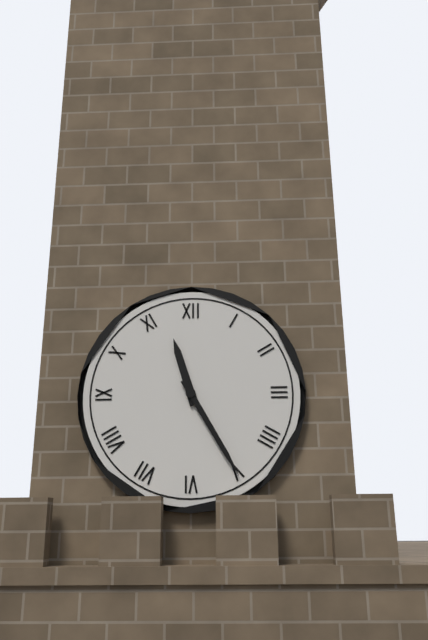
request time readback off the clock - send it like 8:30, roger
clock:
11:25
